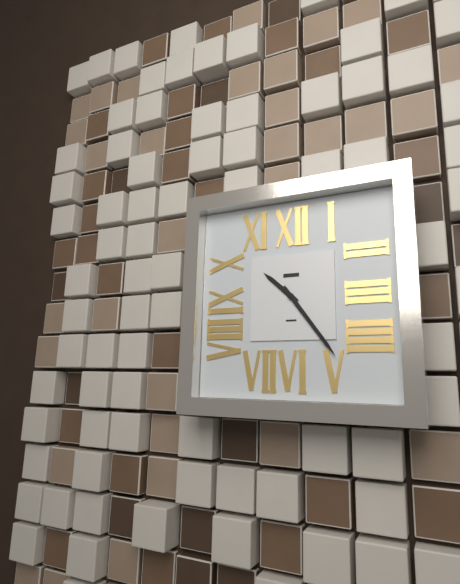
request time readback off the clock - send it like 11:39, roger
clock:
10:24
